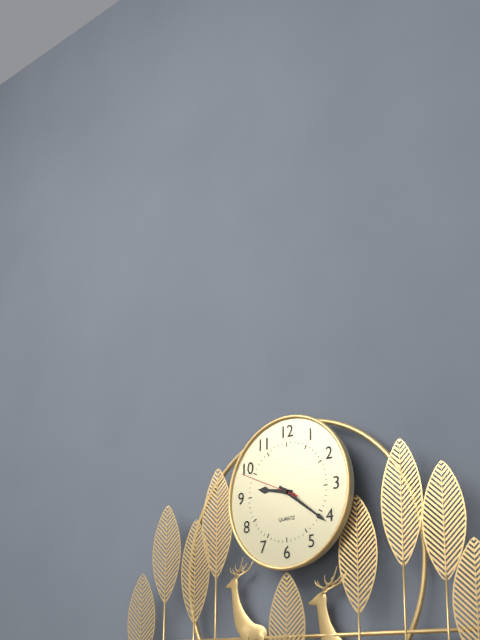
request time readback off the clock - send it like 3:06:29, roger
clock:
9:21:49
